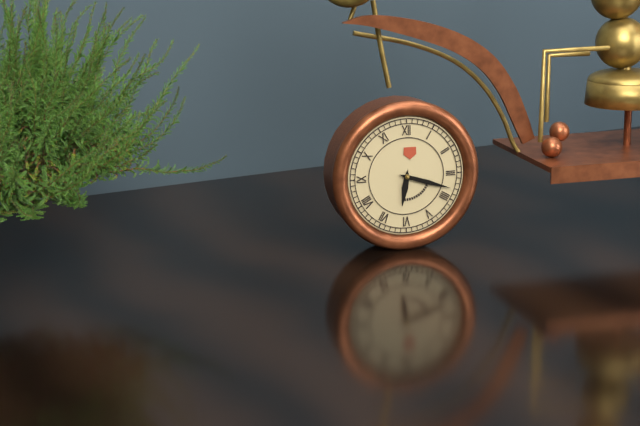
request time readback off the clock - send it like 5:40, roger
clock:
6:18
